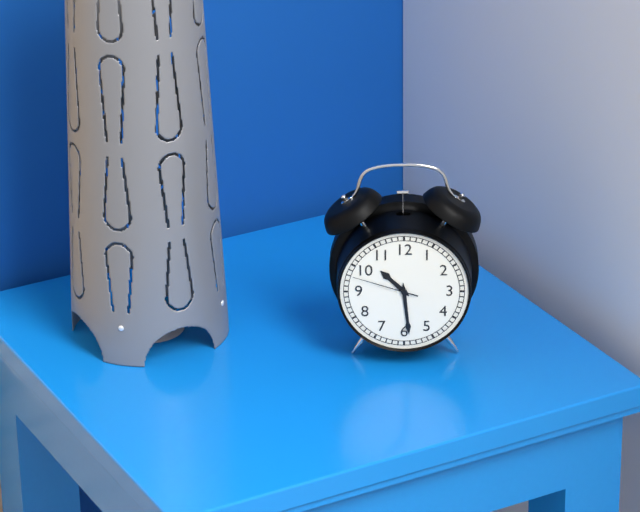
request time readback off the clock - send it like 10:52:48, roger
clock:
10:29:48
